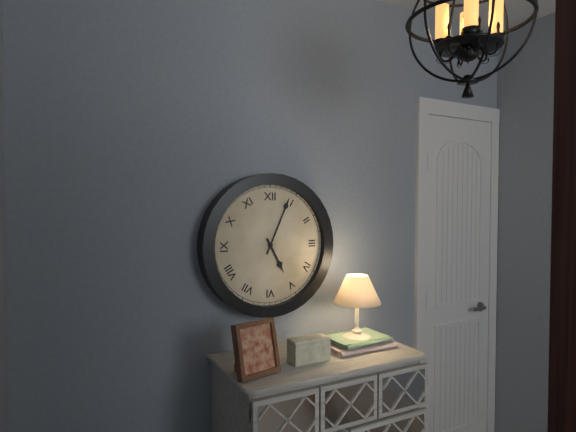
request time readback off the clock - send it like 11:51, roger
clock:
5:04
